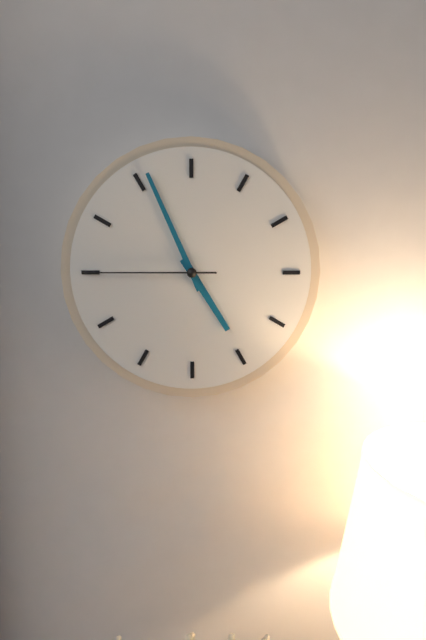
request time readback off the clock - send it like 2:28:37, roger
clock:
4:56:45
